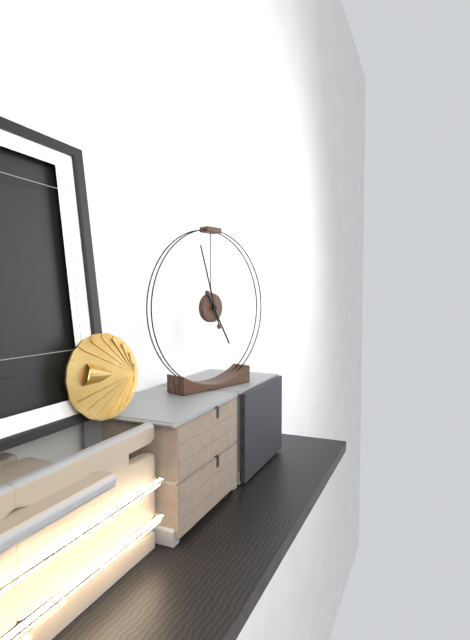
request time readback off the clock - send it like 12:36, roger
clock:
4:57
